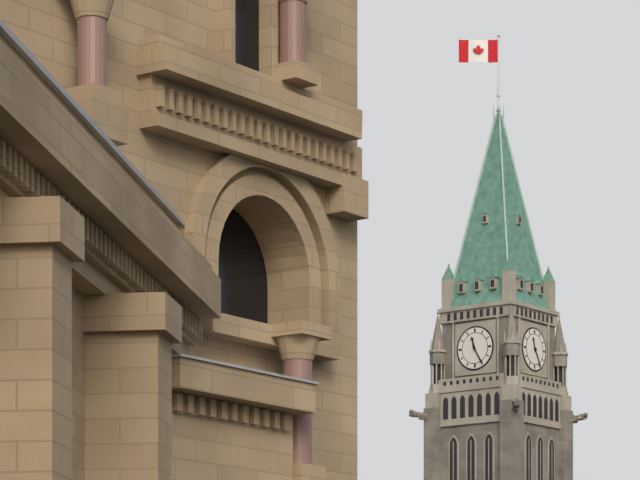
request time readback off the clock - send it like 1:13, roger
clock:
11:25
